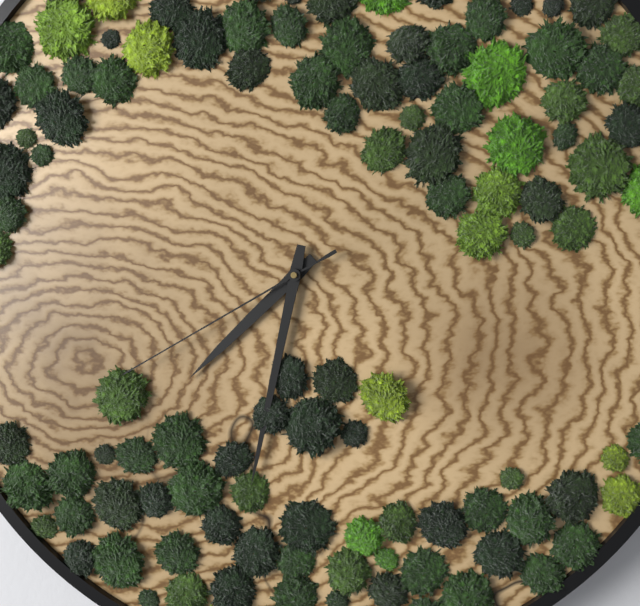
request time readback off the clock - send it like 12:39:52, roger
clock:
7:32:40
